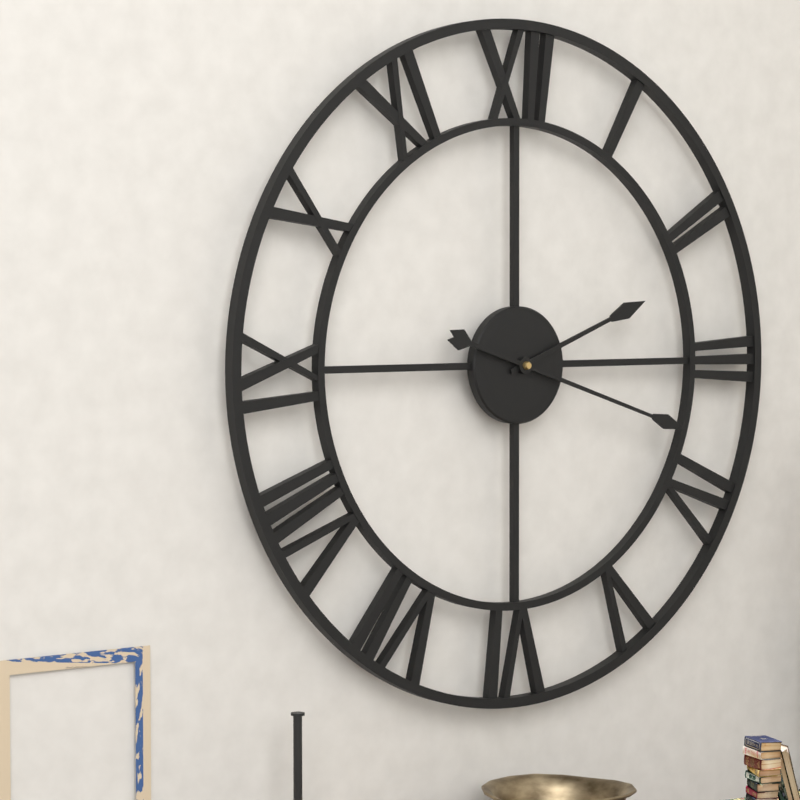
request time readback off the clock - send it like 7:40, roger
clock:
2:18
